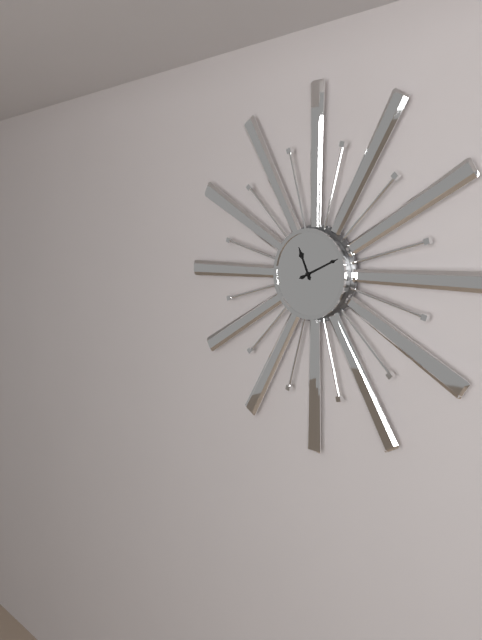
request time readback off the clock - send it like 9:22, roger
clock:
11:11
